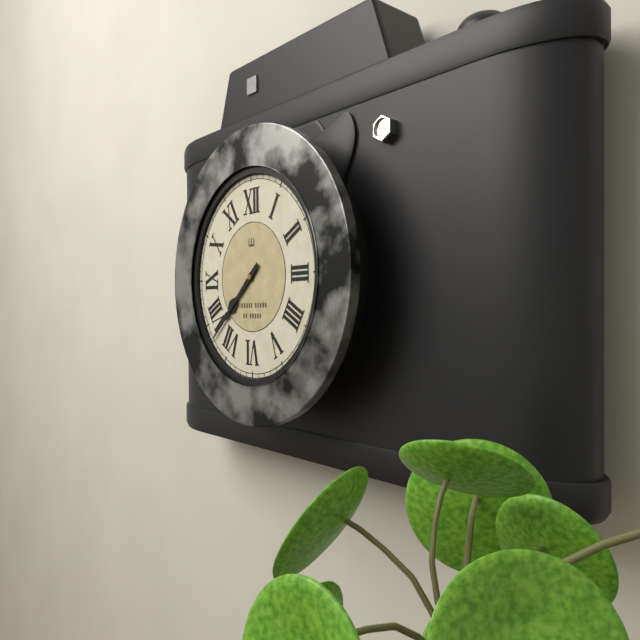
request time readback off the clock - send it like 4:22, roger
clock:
7:38
